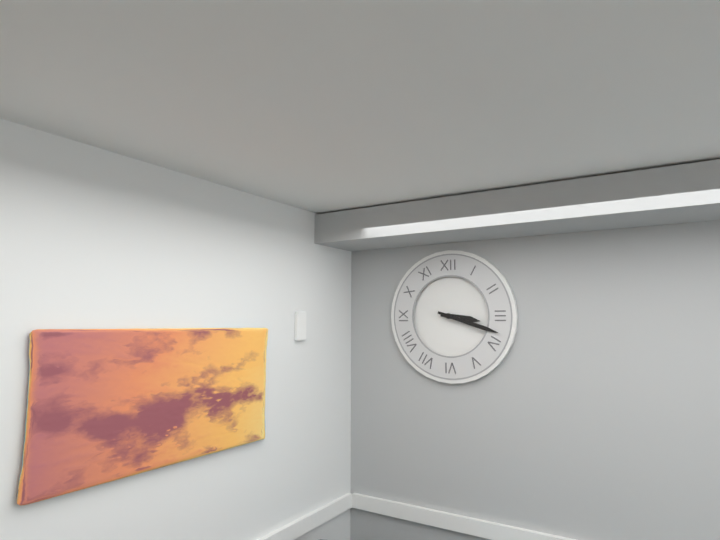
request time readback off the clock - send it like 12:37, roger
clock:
3:18
